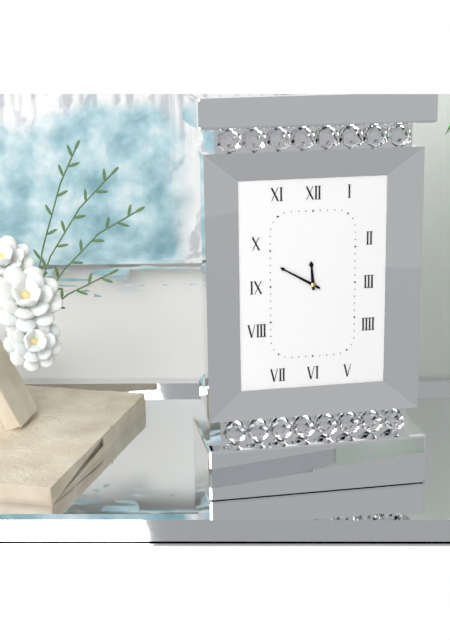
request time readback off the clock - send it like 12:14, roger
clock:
11:50
